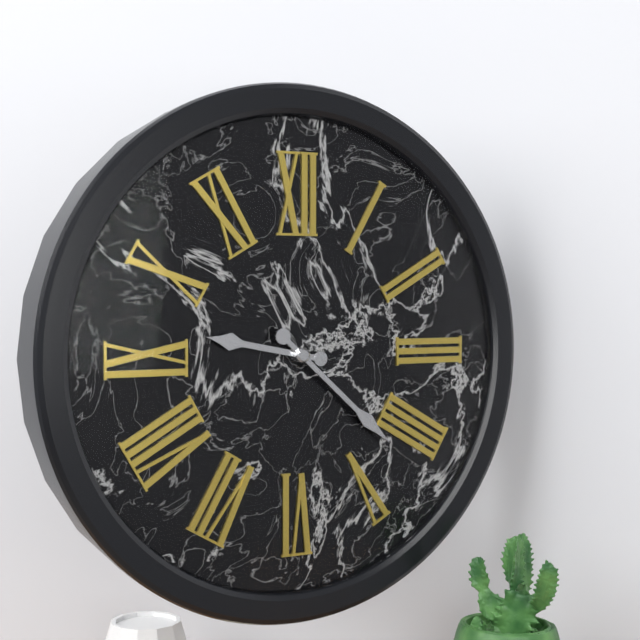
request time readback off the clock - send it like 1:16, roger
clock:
9:22
